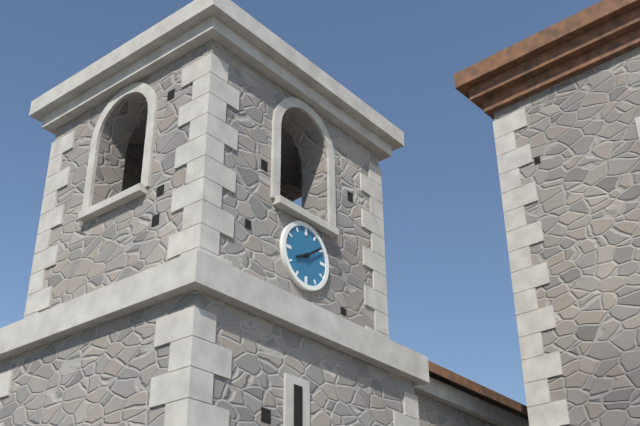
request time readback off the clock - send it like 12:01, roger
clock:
8:09
